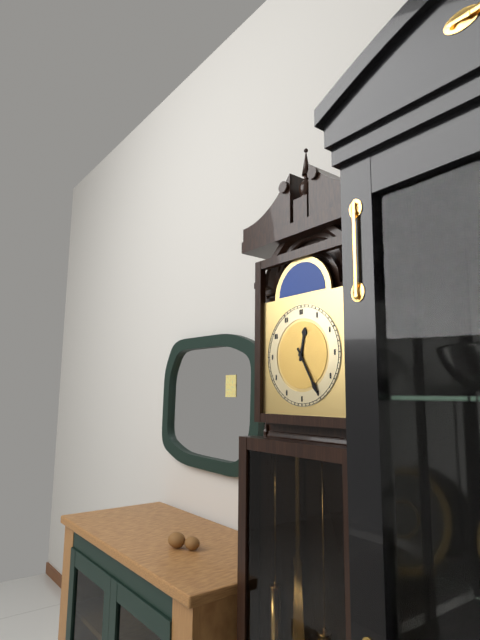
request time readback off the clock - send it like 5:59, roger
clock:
12:25
